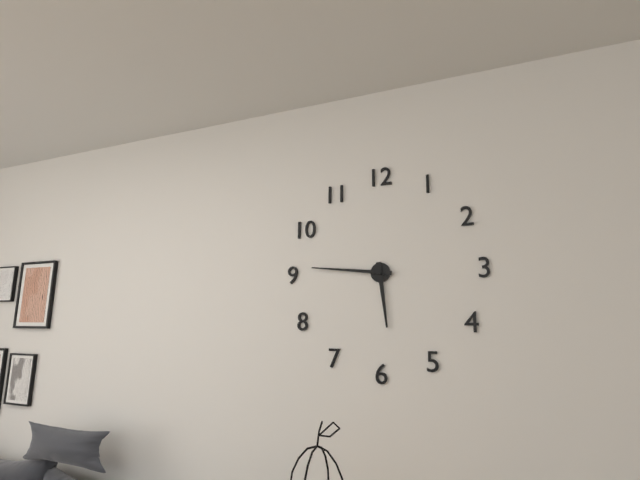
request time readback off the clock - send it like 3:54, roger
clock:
5:46
